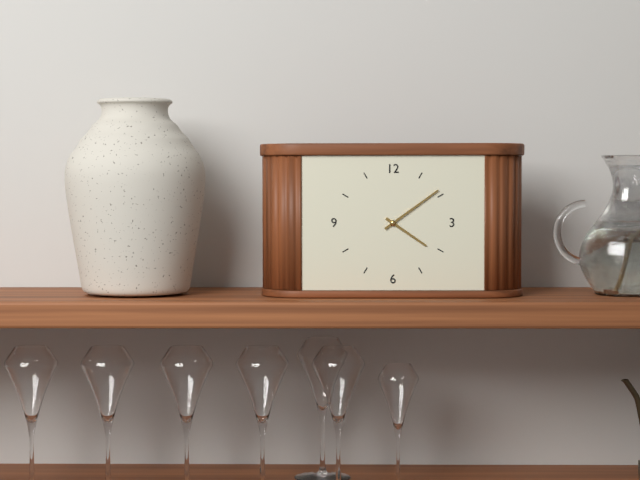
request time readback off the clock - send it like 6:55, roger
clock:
4:09
